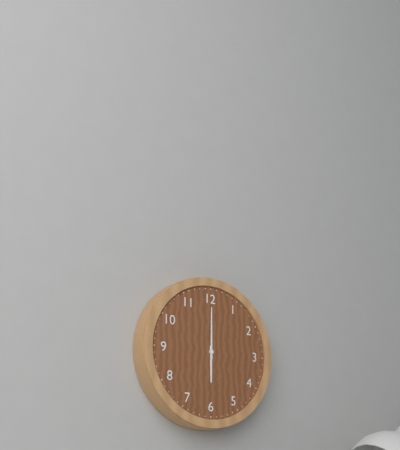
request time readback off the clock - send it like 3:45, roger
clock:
6:00
